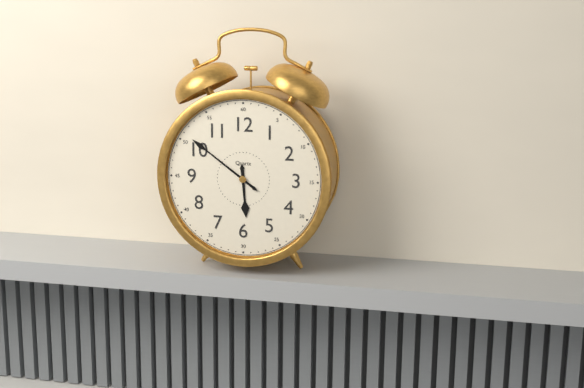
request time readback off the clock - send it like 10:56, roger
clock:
5:51
